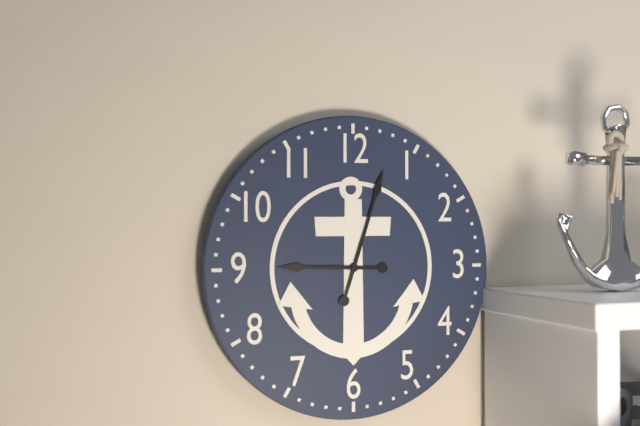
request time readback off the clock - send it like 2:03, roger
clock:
9:03
